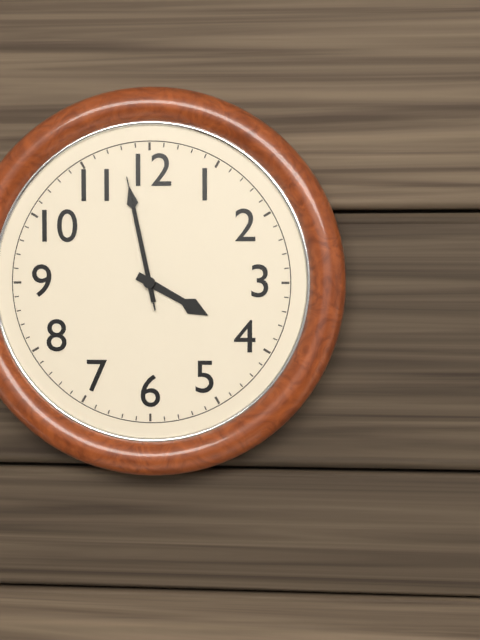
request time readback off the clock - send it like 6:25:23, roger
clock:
3:58:58
